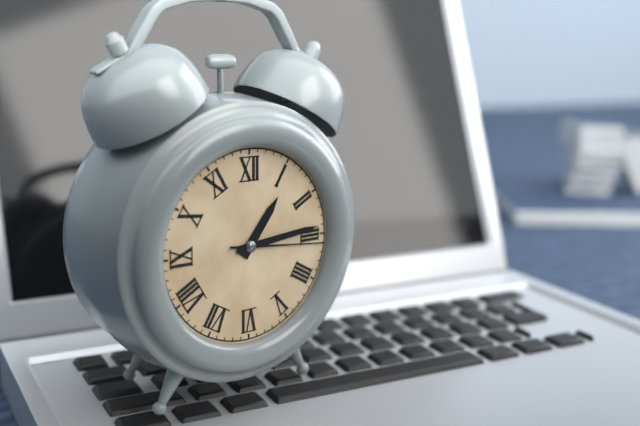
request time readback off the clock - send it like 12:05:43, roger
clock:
1:14:16
